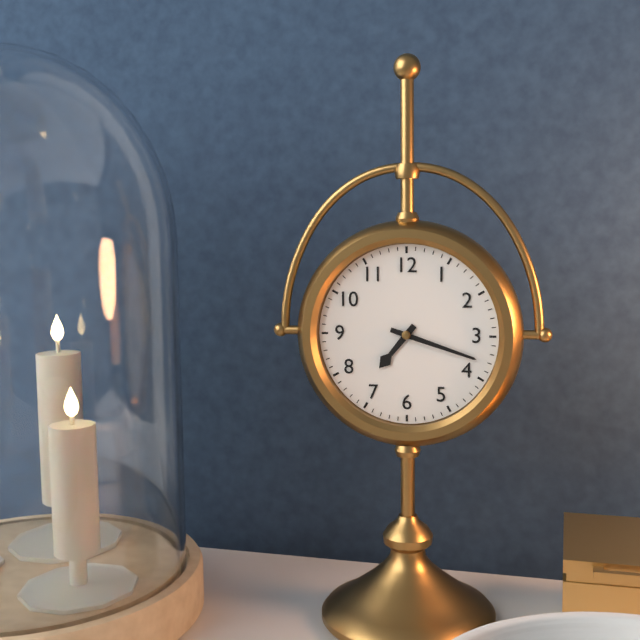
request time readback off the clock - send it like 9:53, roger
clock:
7:18
